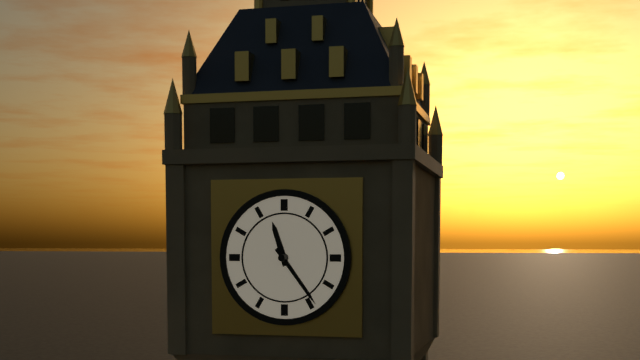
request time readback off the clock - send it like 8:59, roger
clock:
11:24
